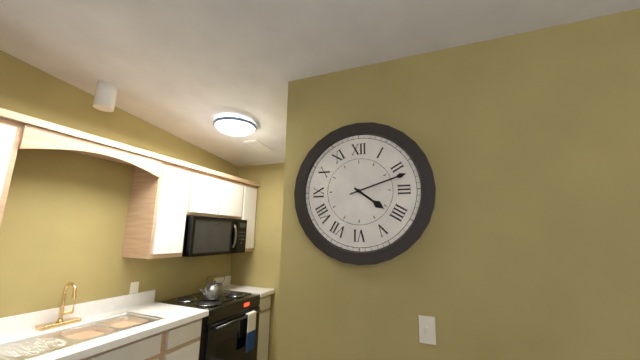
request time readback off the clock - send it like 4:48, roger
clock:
4:12
